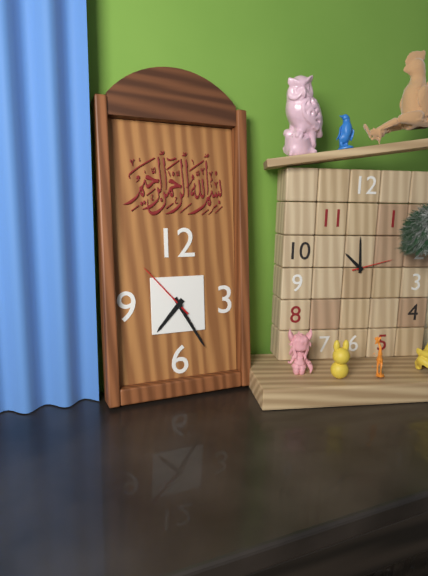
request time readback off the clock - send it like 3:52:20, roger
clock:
7:25:53
